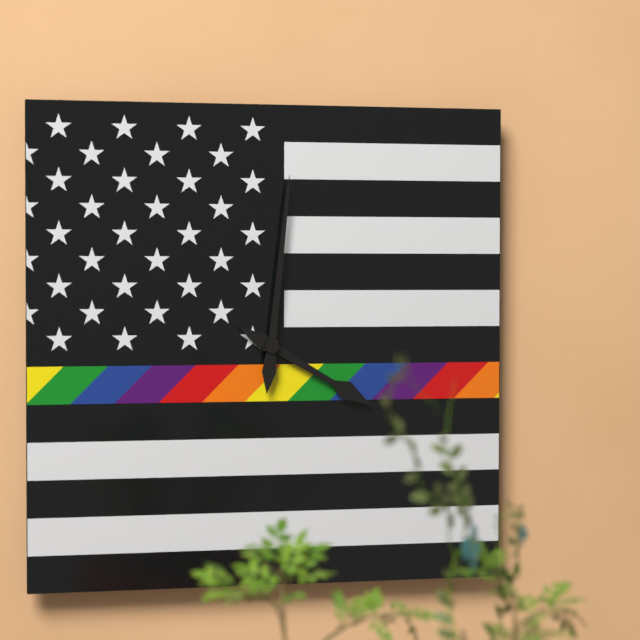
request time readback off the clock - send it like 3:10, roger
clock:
4:01
